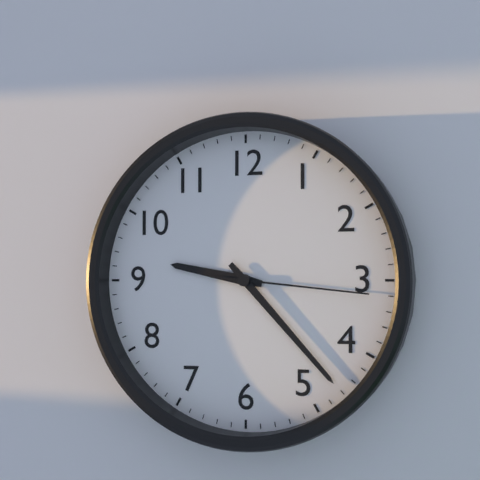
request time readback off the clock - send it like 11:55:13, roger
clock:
9:23:16
